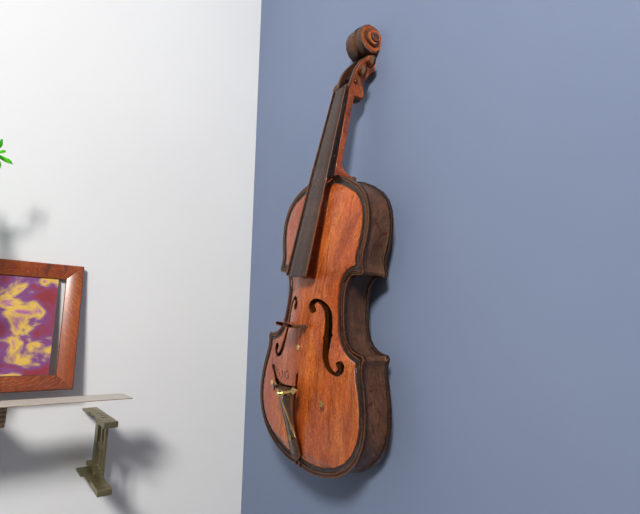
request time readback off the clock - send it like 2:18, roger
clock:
2:22
